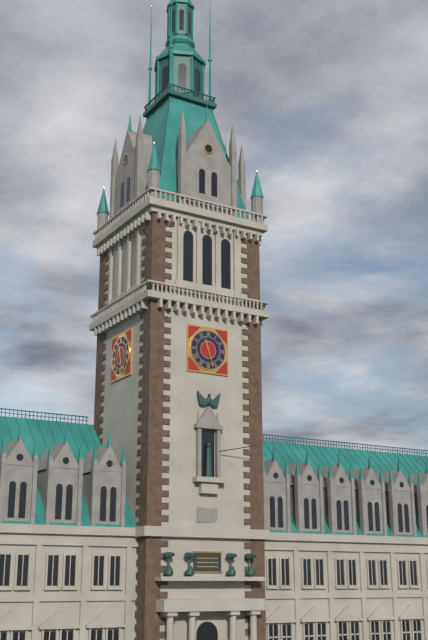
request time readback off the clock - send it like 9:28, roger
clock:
11:27
